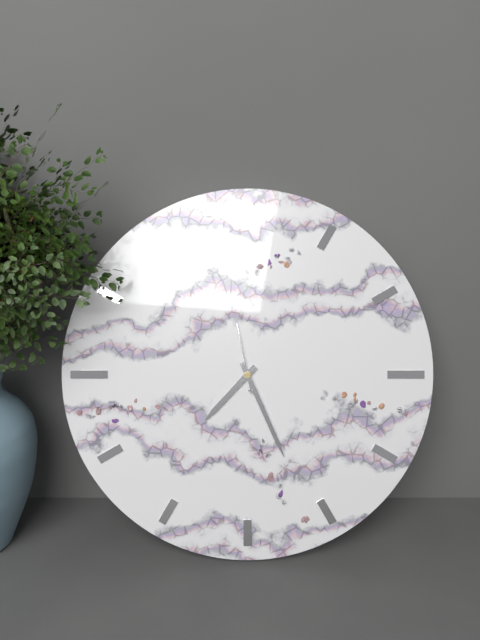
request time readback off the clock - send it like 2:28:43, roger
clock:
7:26:58
